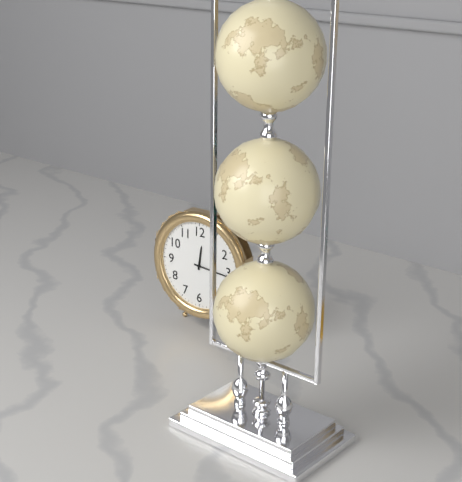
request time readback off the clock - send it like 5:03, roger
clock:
12:16
